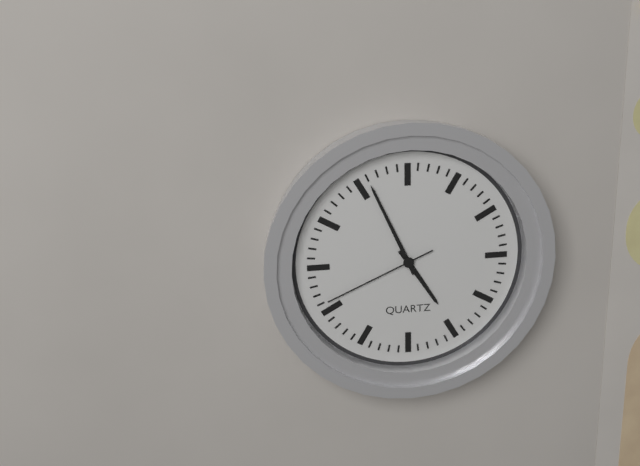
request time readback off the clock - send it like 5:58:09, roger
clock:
4:56:41
